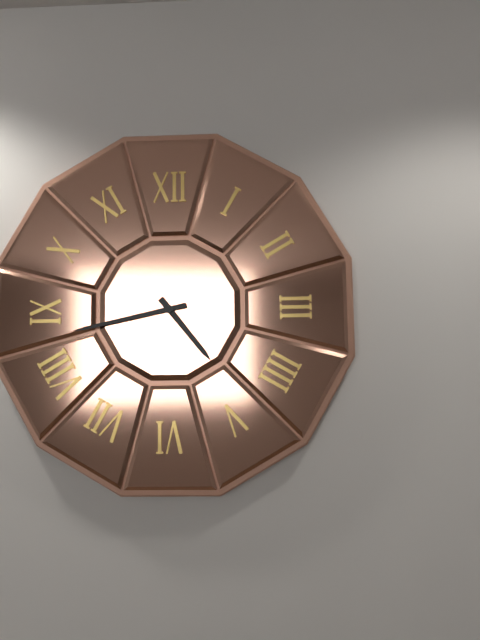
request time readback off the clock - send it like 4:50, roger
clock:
4:43
